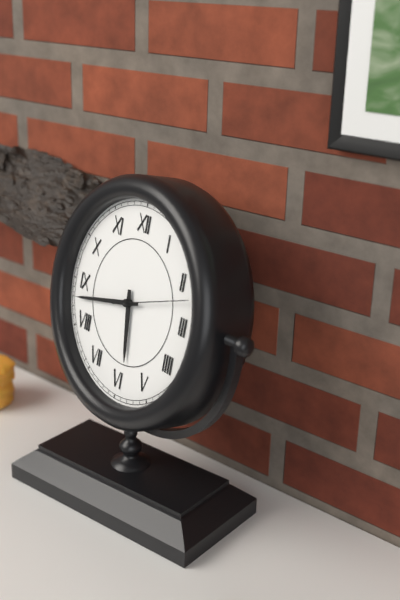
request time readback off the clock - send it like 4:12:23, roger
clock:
5:43:12
